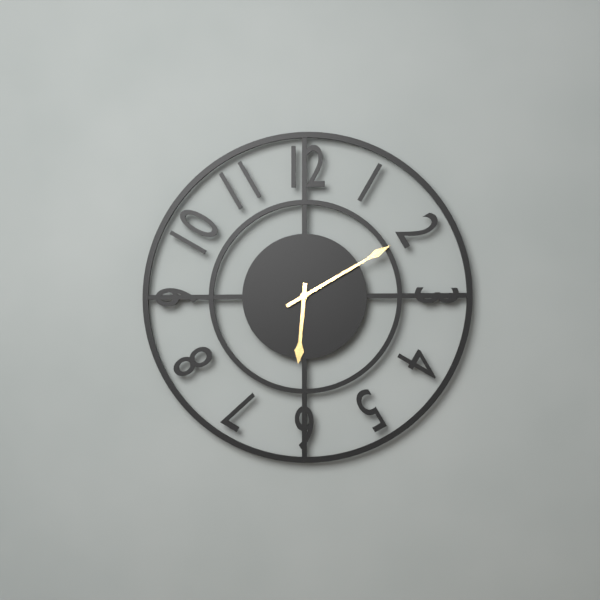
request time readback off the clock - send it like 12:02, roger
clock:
6:10
